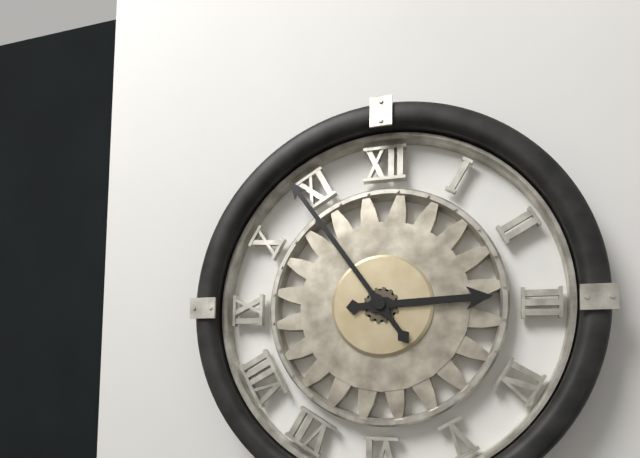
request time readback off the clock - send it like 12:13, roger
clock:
2:54
